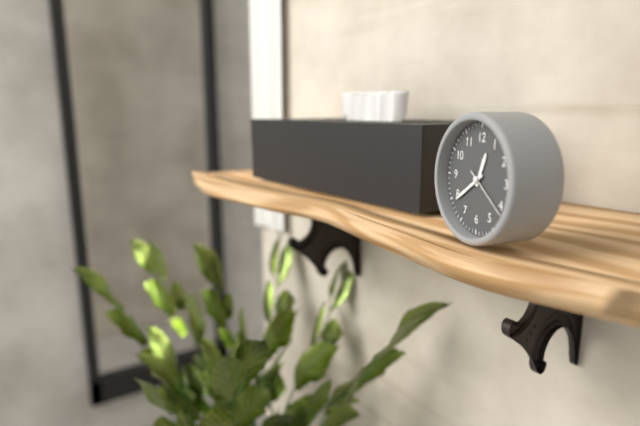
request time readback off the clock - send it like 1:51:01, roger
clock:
12:39:21
